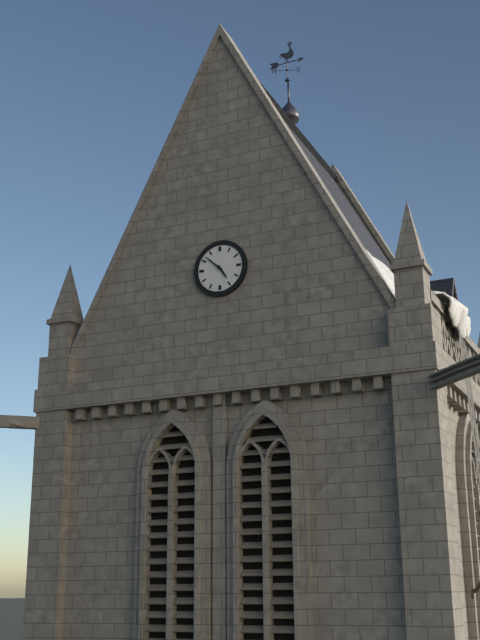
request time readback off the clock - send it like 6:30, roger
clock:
4:52
